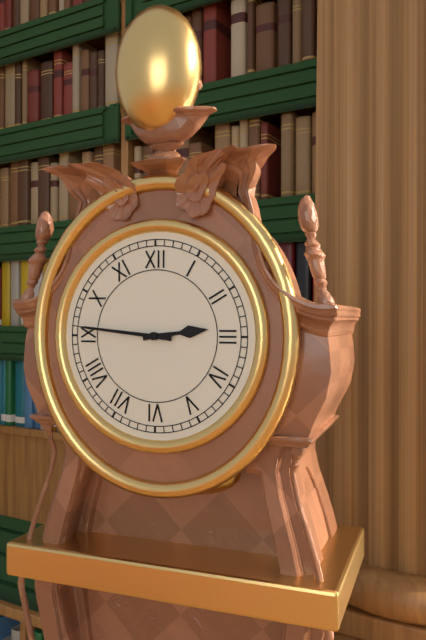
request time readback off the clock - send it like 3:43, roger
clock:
2:46
